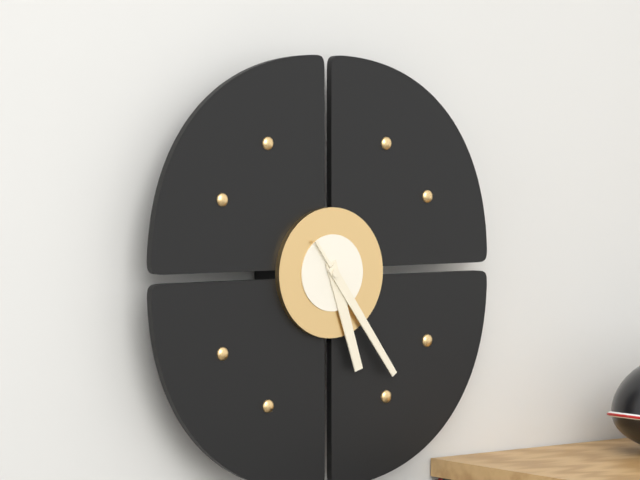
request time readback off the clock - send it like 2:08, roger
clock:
5:24
